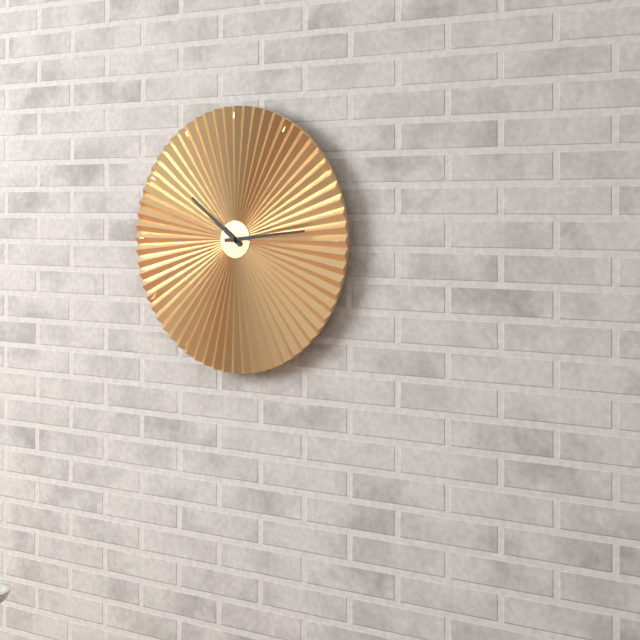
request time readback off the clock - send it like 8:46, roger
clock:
10:14
